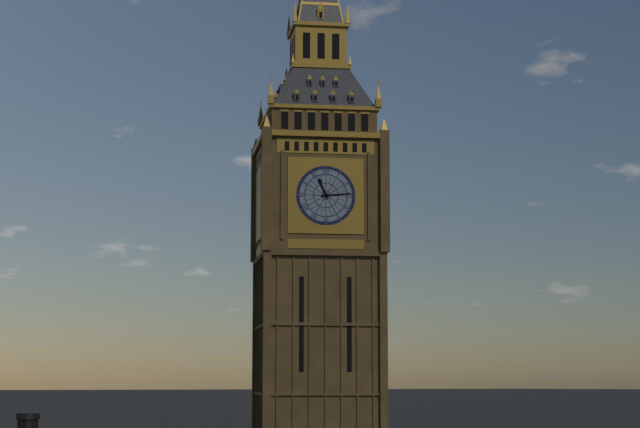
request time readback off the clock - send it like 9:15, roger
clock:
11:14
